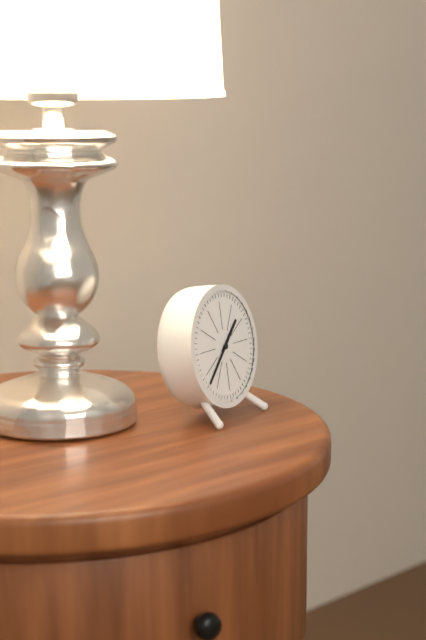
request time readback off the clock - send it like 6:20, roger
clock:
1:38
